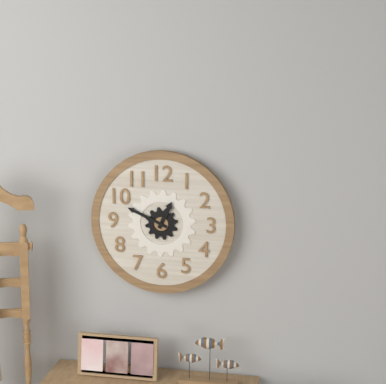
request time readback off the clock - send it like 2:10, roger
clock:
12:49
